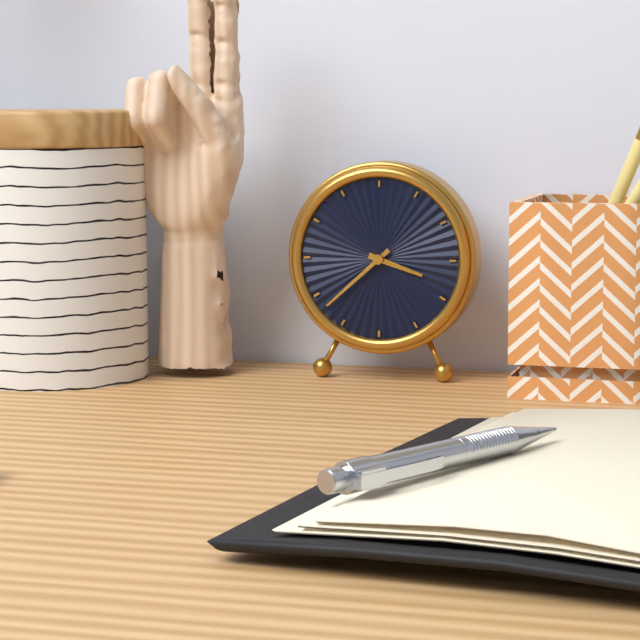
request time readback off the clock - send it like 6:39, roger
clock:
3:38
